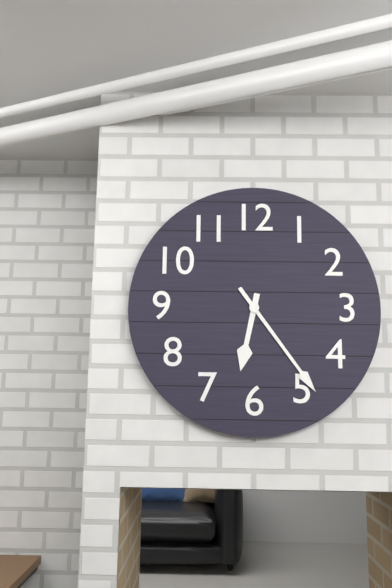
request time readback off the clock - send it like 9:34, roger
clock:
6:24
